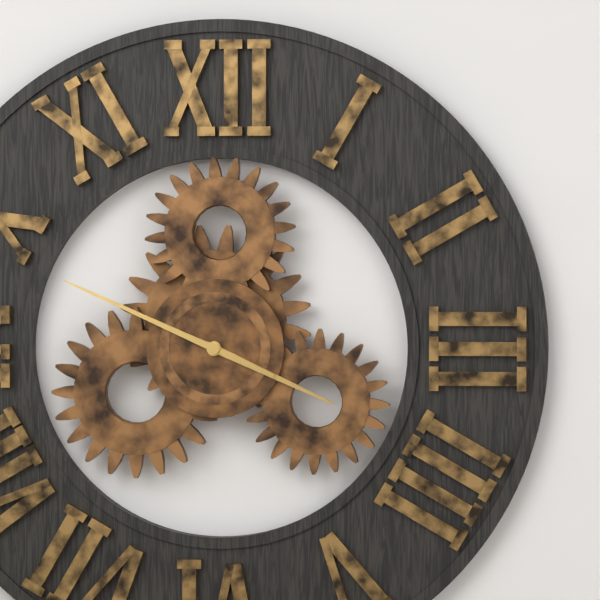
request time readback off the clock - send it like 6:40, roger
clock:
3:49
